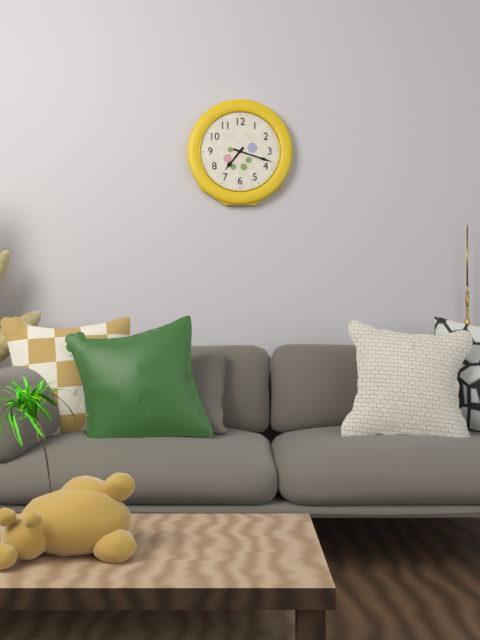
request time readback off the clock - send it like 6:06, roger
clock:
7:18
